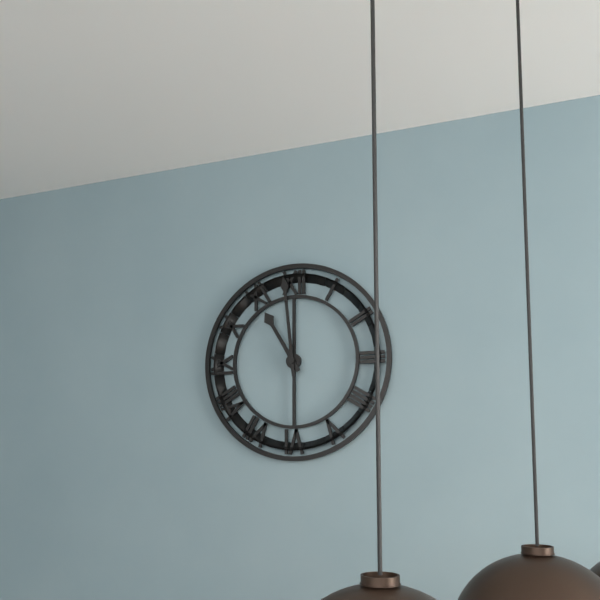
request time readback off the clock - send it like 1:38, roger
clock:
10:59
